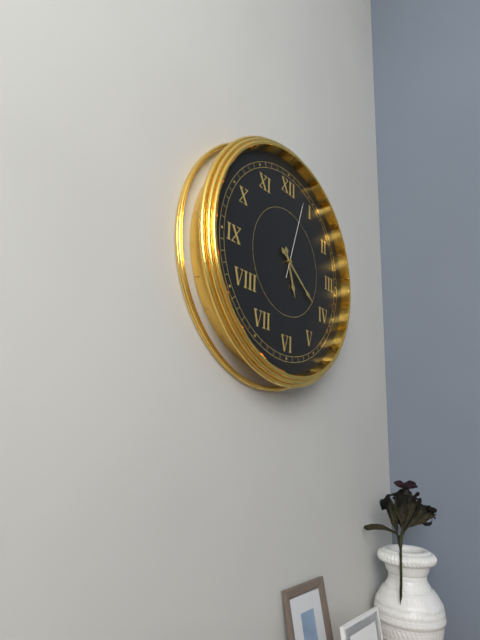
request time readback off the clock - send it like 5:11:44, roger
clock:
5:21:03
